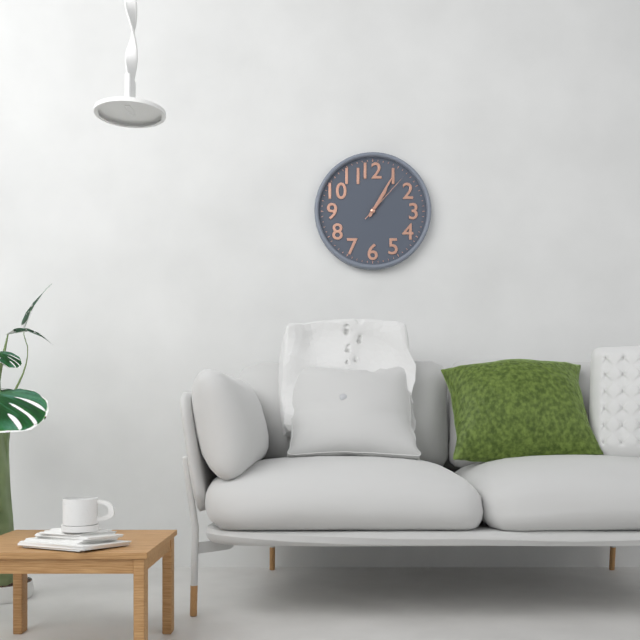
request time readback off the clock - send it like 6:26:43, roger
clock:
1:05:07
